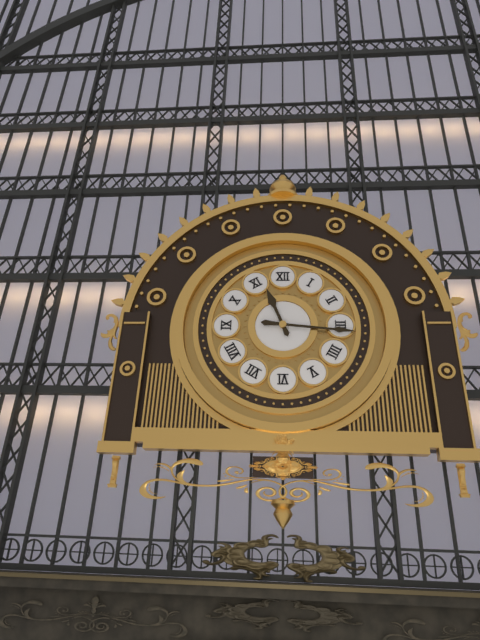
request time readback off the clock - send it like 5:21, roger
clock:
11:16
